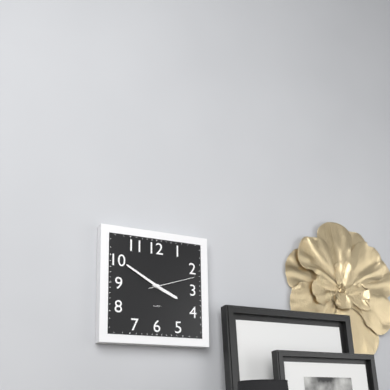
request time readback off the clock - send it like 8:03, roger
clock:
3:50
